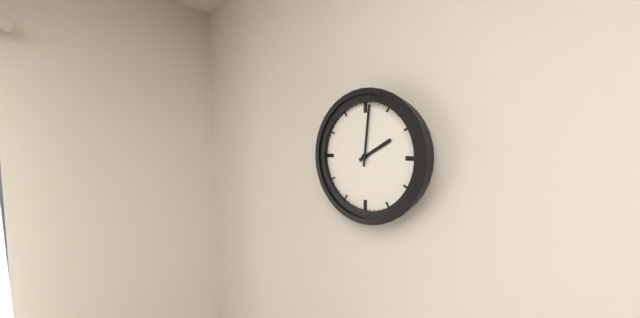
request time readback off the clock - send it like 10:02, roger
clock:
2:01
